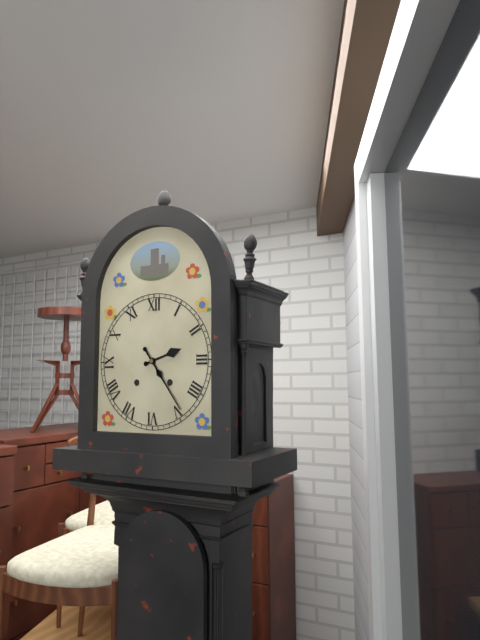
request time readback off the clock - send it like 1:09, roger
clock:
2:24
